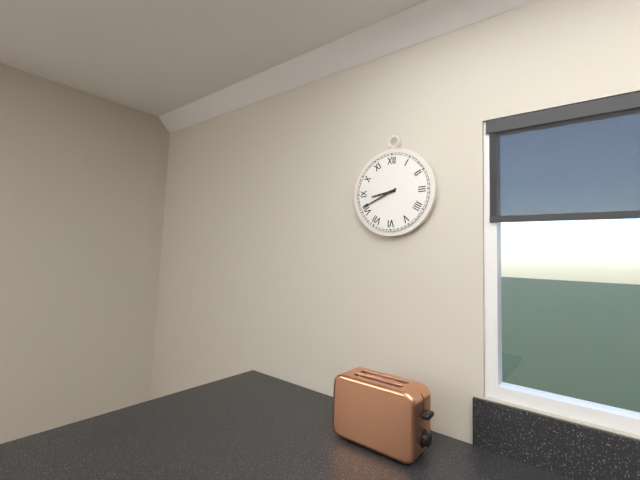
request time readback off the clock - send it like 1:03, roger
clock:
8:41
